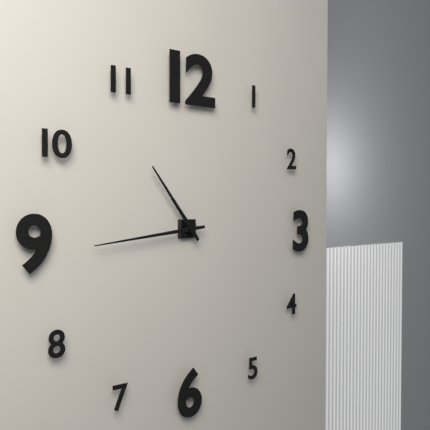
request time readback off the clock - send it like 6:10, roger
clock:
10:44
